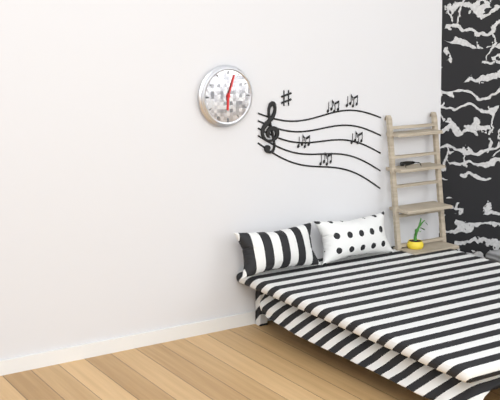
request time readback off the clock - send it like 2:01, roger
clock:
6:03
